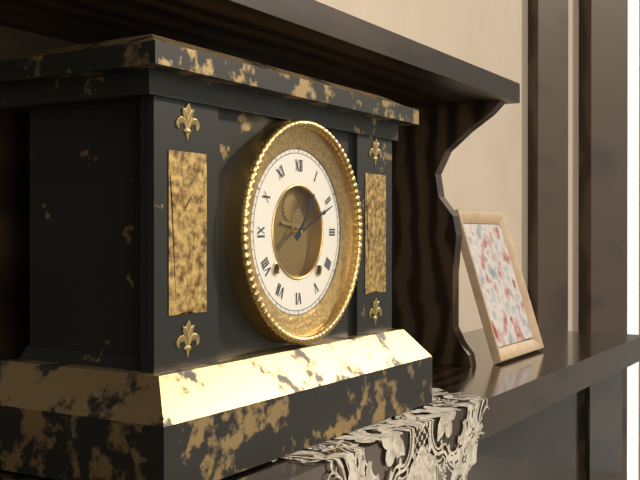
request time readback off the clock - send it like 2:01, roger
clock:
1:11
